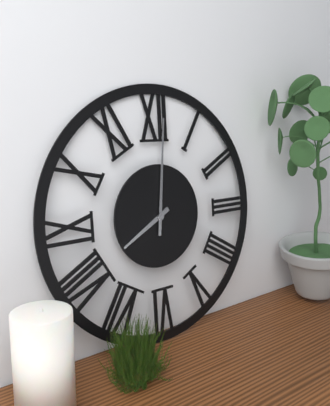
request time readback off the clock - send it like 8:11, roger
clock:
8:01
